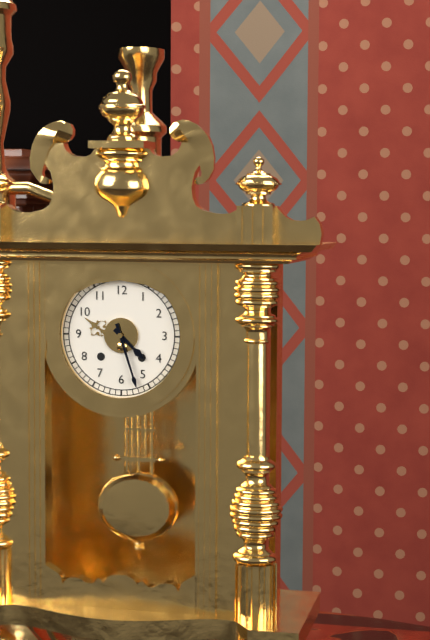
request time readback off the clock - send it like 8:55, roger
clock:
4:27
